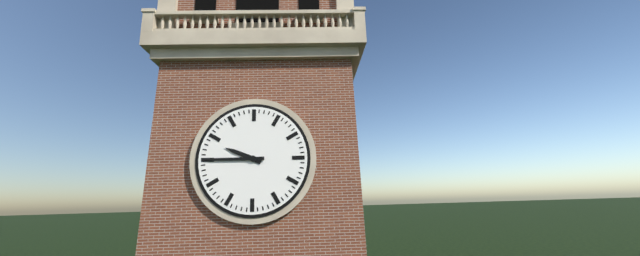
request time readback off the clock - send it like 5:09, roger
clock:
9:45
